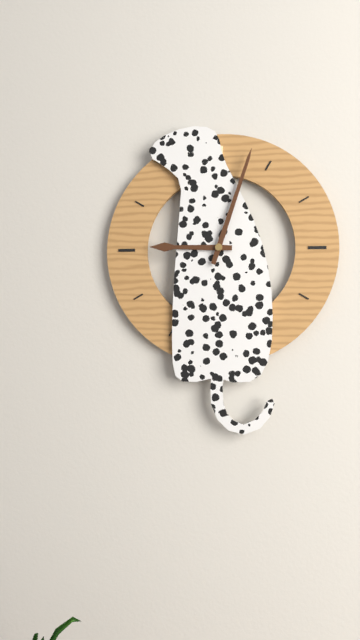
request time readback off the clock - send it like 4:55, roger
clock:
9:03
